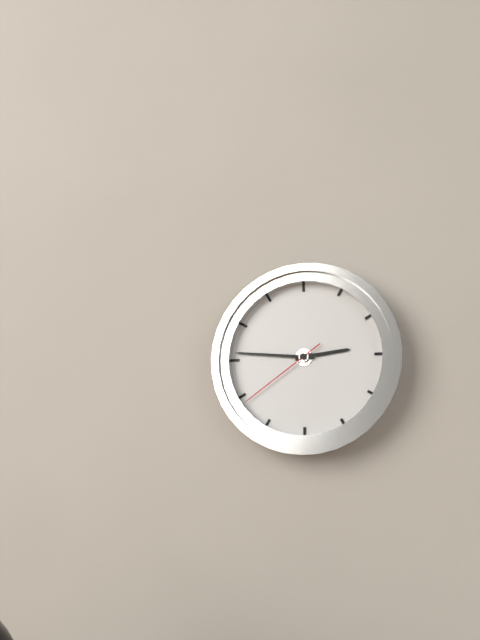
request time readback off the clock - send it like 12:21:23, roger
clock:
2:46:39
